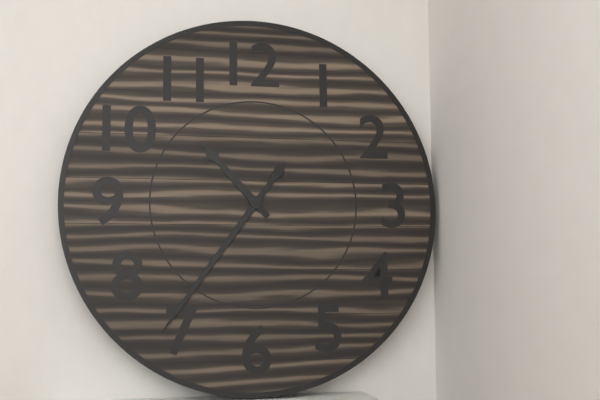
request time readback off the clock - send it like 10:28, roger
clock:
10:36
